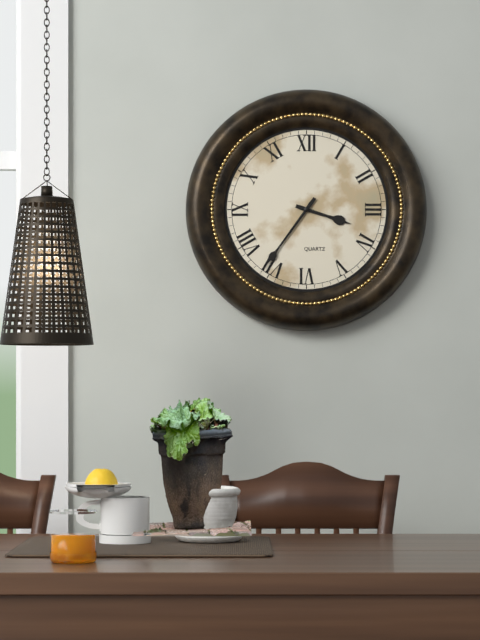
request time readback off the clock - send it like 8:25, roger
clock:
3:36
